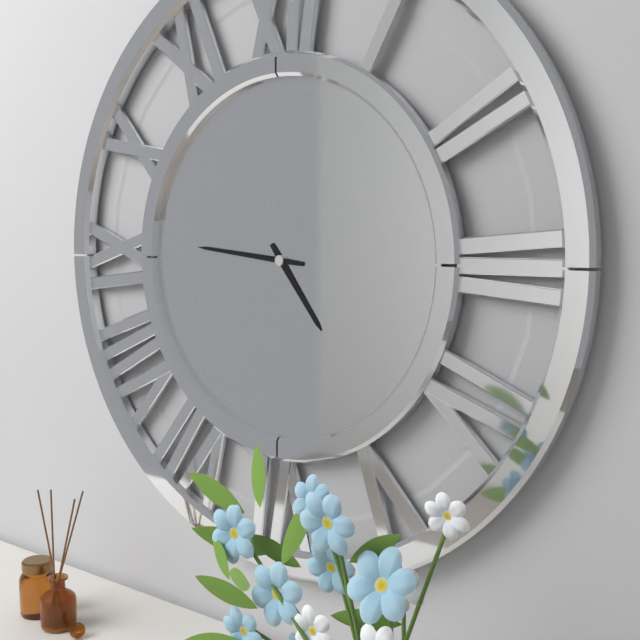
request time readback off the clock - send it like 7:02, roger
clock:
4:46
